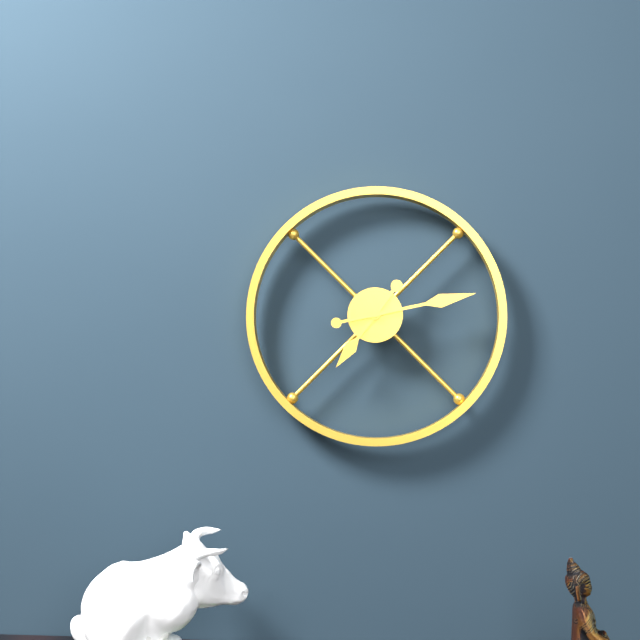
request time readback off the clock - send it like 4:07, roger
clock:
7:13
